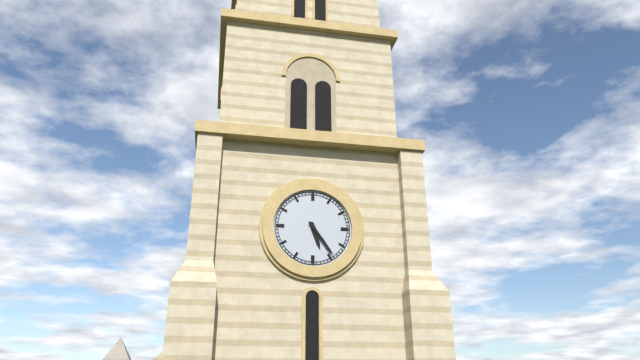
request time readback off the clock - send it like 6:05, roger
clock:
5:24
